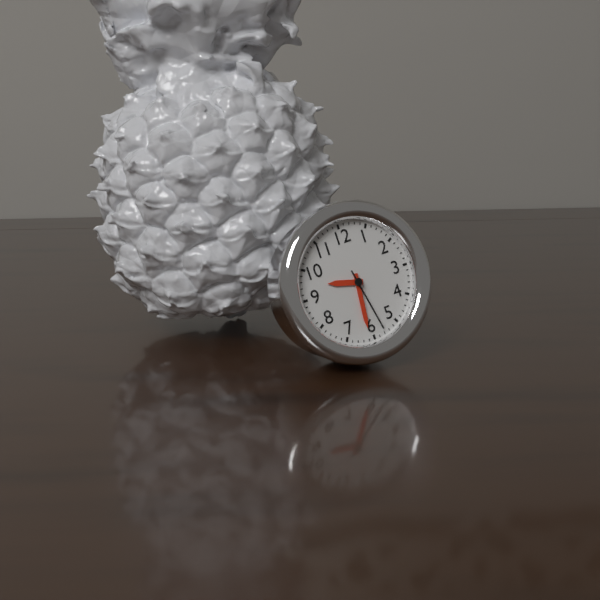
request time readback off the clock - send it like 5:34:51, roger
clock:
9:31:28
